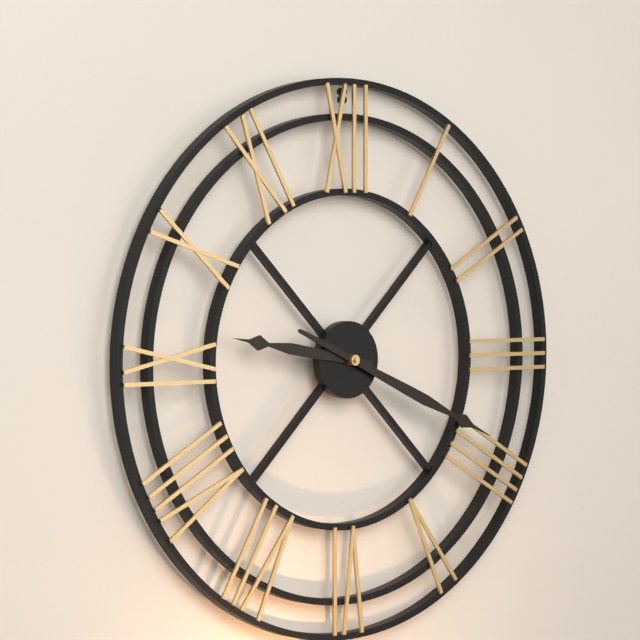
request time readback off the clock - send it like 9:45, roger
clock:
9:19
